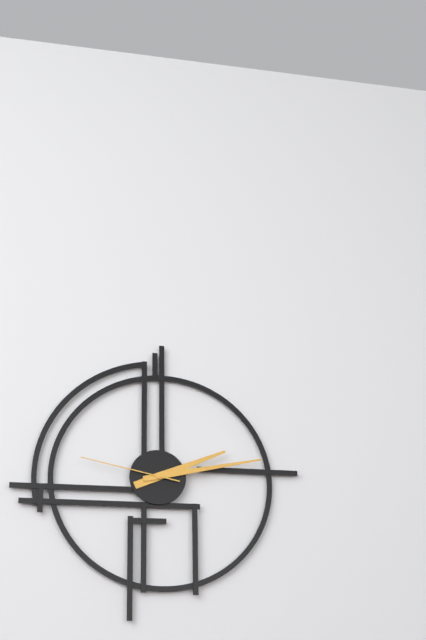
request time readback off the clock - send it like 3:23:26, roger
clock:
2:13:47
